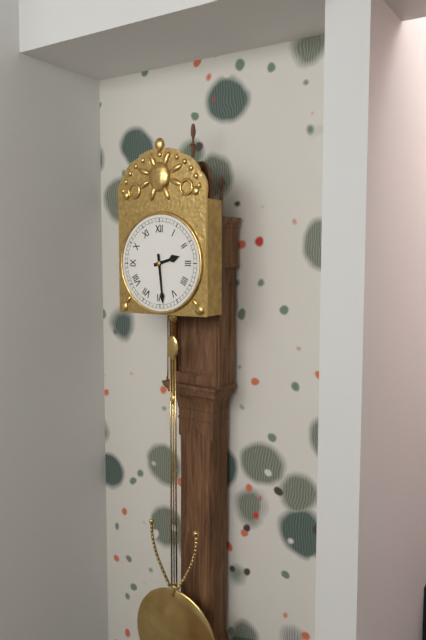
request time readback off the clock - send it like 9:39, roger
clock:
2:29
